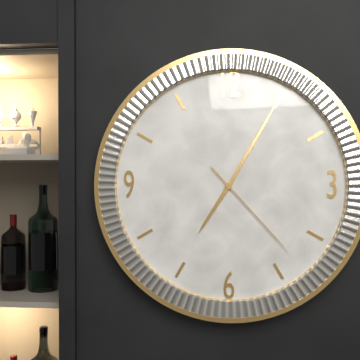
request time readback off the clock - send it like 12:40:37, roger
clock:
7:05:23
